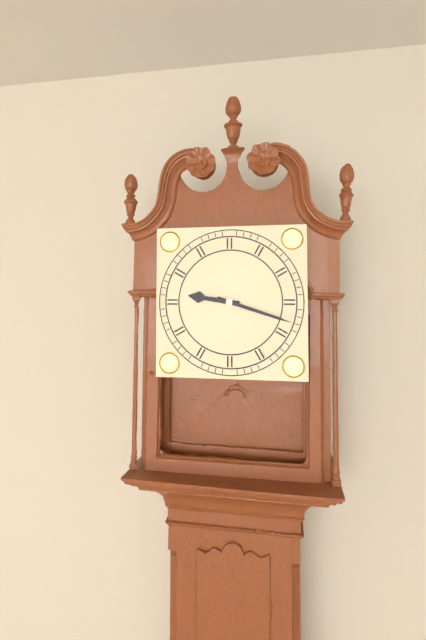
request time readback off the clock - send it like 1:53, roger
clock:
9:18
